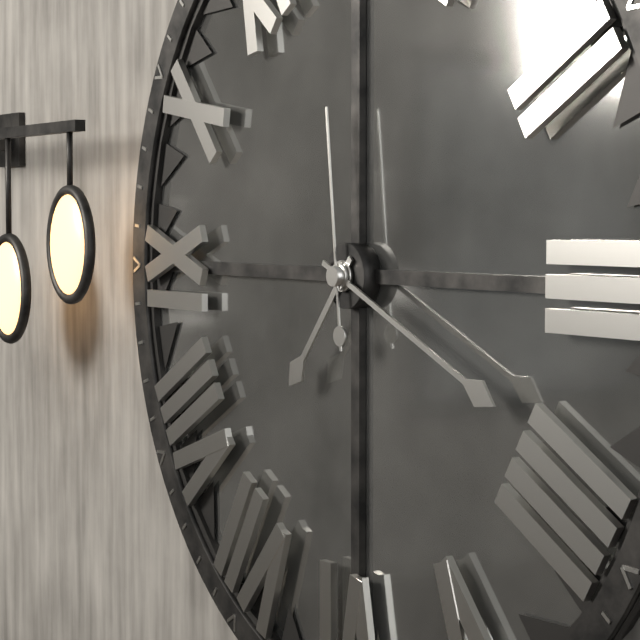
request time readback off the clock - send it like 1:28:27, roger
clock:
7:19:59
